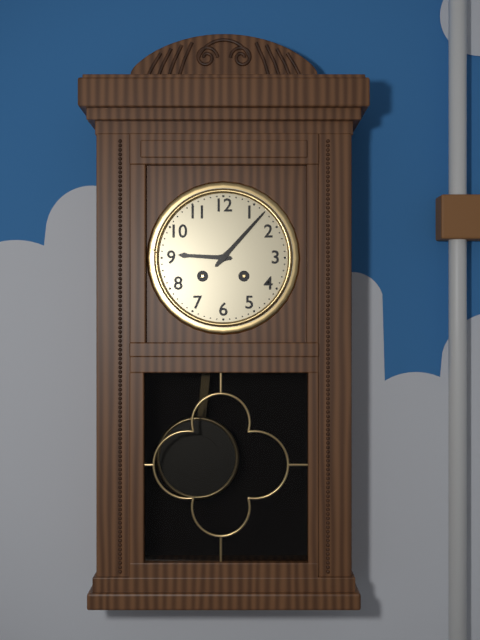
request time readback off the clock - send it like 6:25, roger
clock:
9:07
